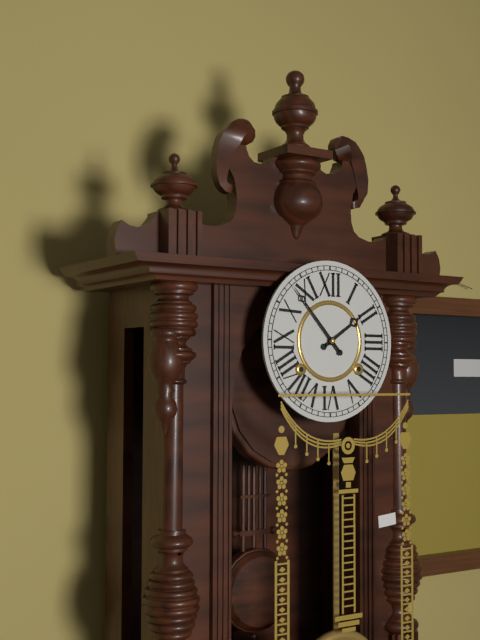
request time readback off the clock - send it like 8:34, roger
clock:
1:53
